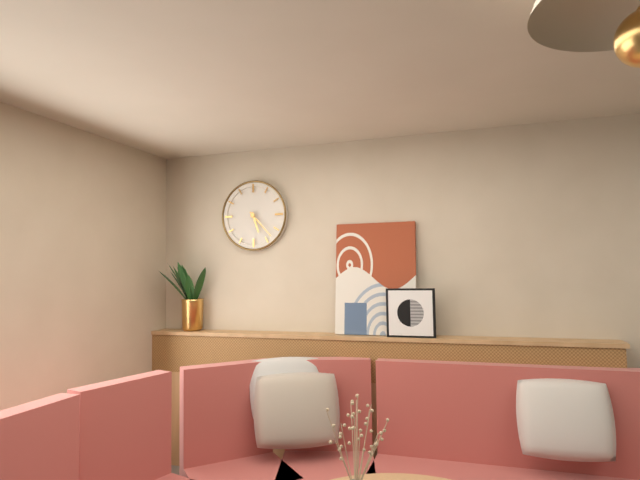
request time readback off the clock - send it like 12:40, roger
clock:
5:23
